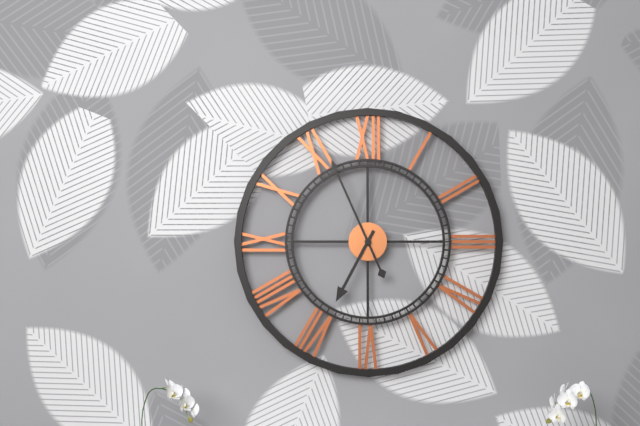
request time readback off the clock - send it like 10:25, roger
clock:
6:56
